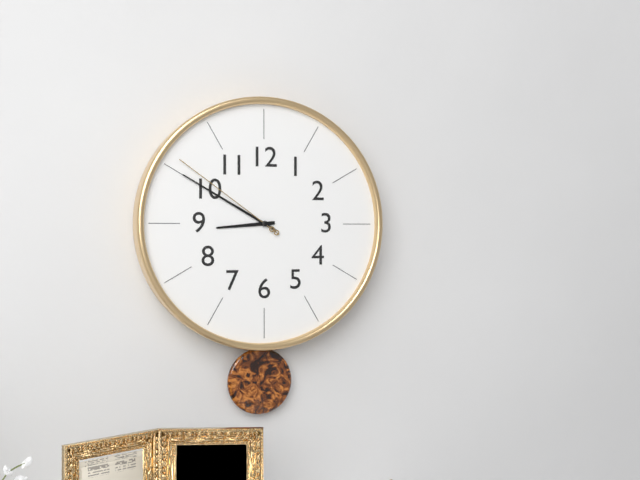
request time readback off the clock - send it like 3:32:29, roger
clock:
8:50:51
